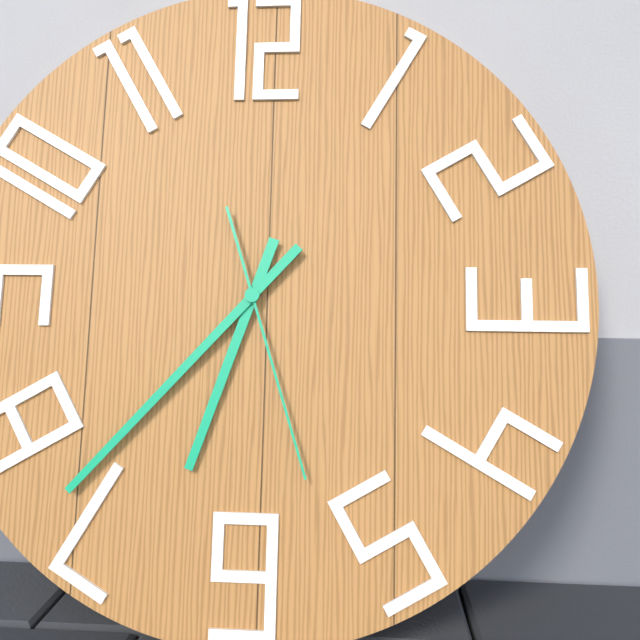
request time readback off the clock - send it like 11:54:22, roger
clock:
6:37:27
